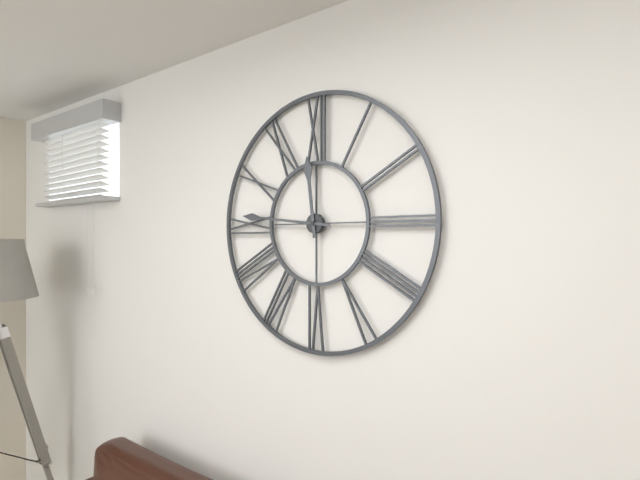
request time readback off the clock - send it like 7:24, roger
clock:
11:46
